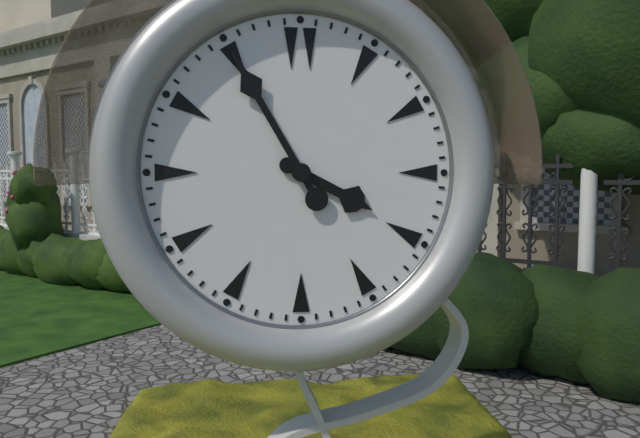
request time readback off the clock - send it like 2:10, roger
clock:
3:55
